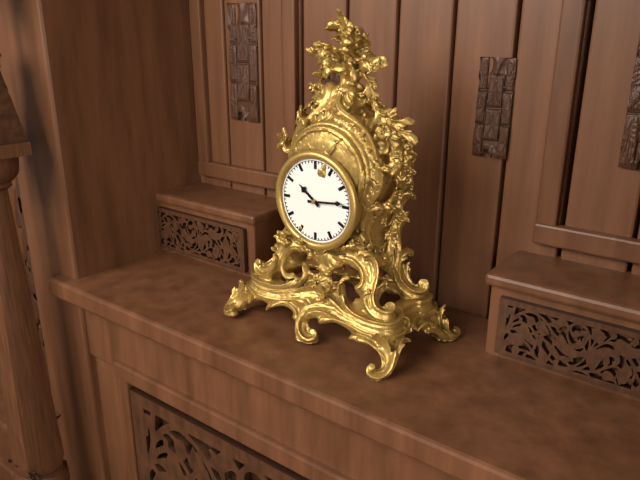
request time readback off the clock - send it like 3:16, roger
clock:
10:14
